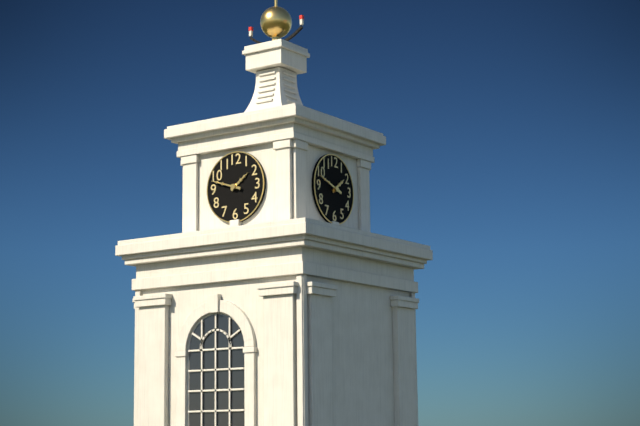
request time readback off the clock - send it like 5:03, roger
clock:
1:48
